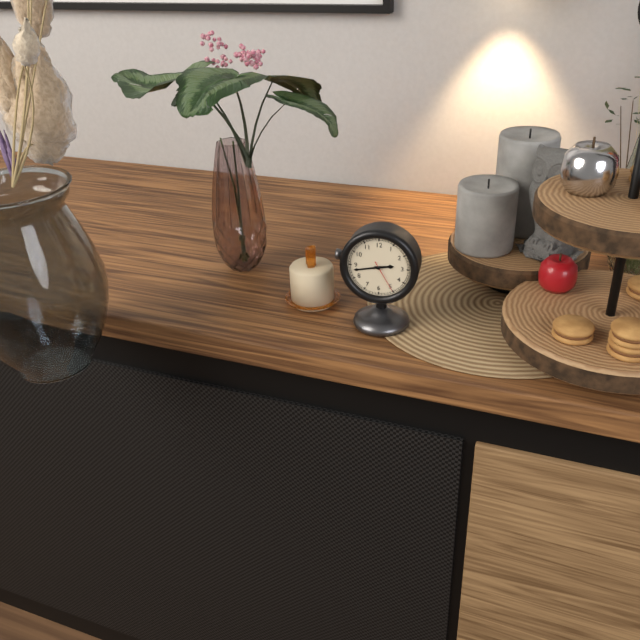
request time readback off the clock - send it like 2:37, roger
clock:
2:43
